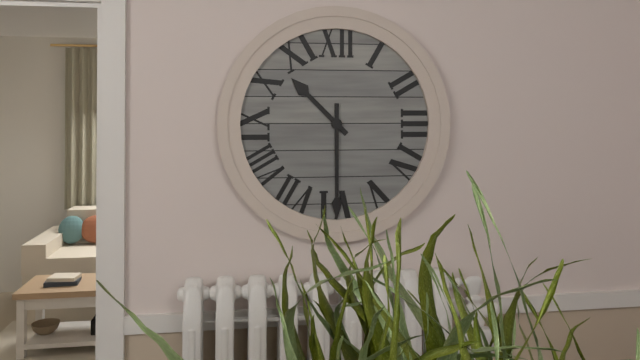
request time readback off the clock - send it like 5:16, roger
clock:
10:30
